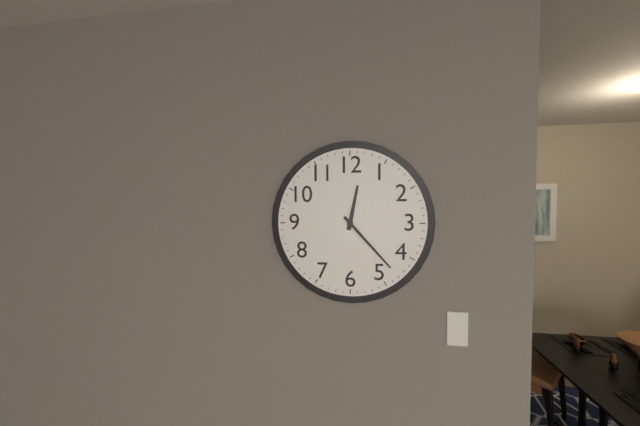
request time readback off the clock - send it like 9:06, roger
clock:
12:23
